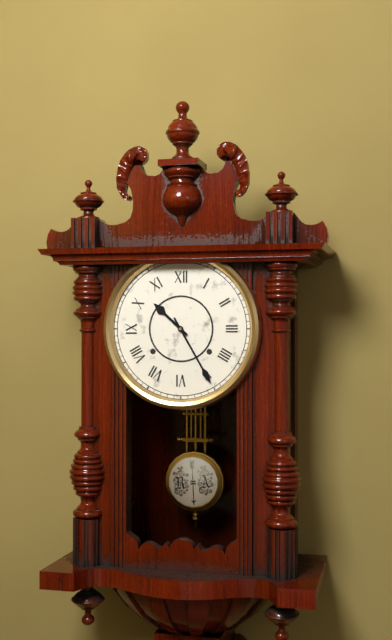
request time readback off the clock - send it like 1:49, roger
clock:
10:25
